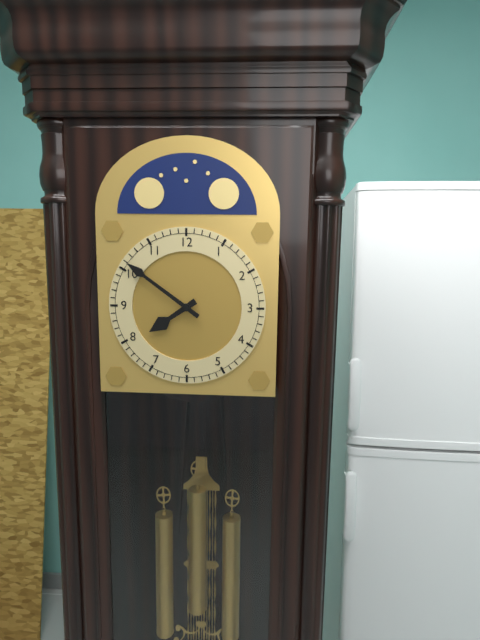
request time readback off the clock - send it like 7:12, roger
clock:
7:51
